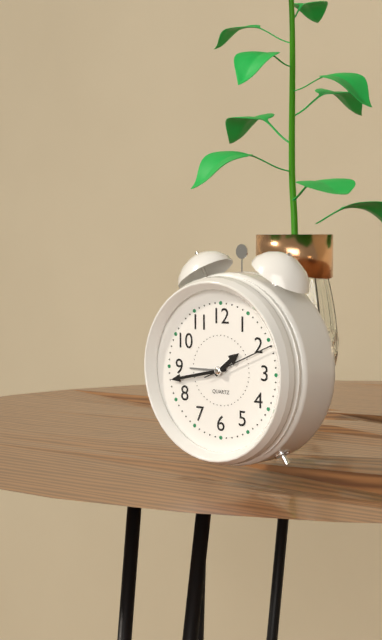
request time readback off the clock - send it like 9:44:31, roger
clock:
1:43:11
